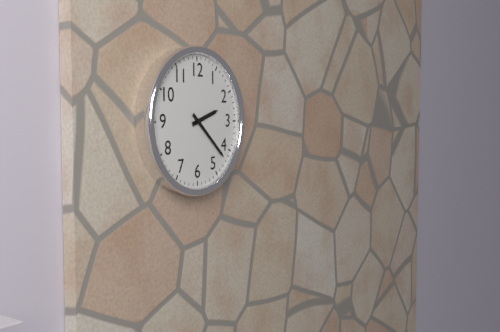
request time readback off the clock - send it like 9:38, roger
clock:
2:22
